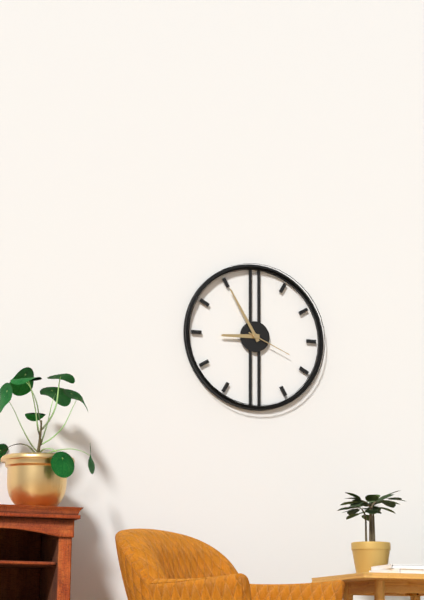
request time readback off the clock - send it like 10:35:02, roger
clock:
8:55:19
